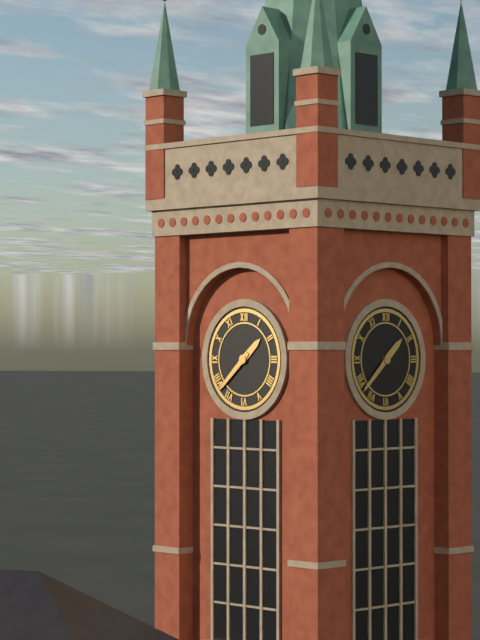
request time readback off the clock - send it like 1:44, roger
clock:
1:38
